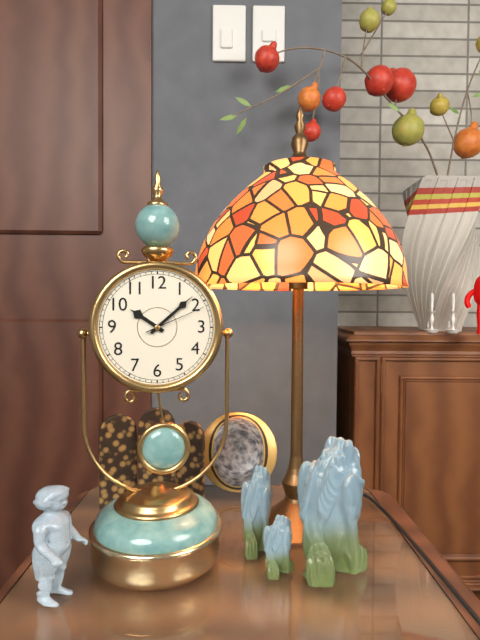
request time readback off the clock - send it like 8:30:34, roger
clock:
10:08:11
